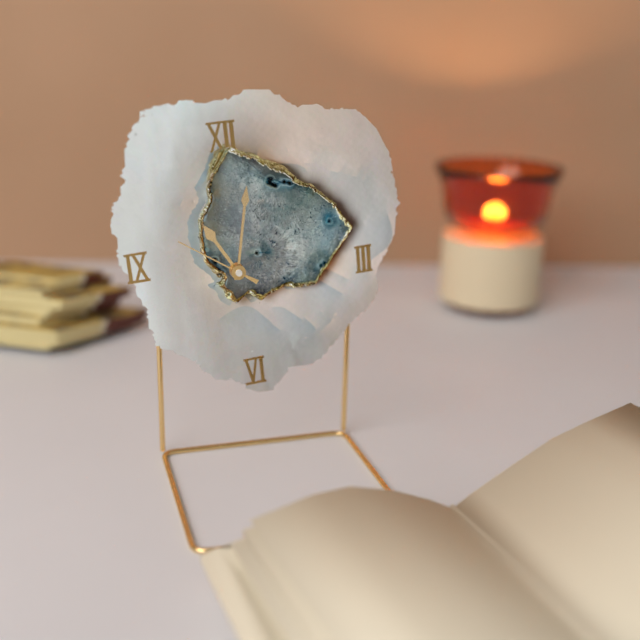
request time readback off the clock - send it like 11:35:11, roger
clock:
11:02:51
